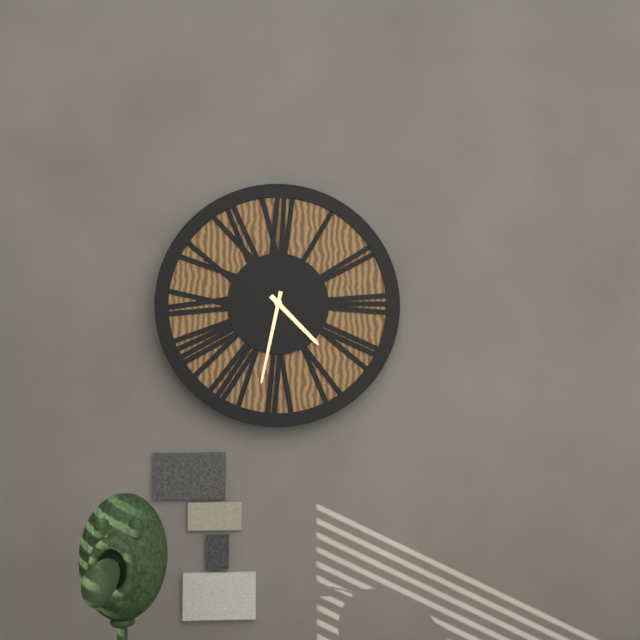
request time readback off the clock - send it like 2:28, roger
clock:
4:32
